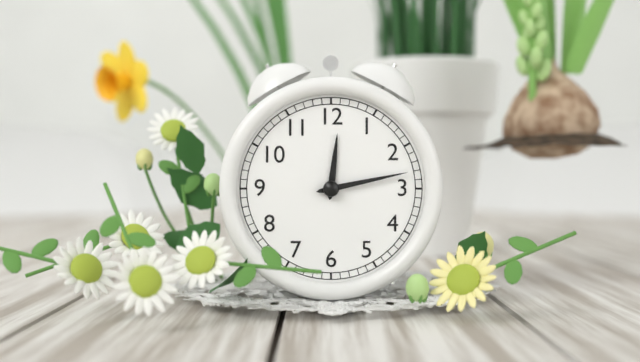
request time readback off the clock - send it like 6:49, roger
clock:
12:13
